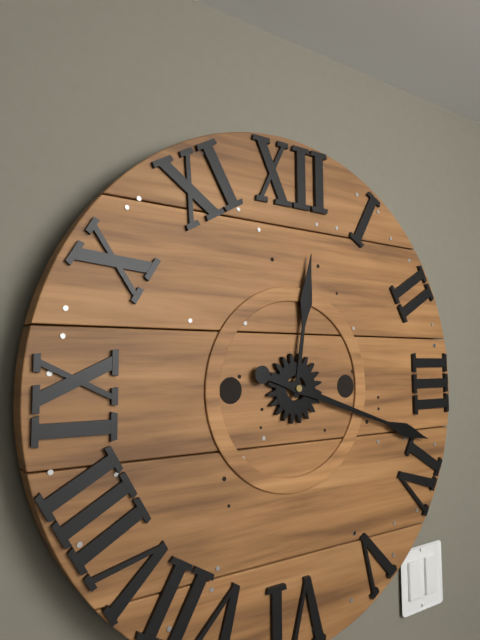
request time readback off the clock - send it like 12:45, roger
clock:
12:18
